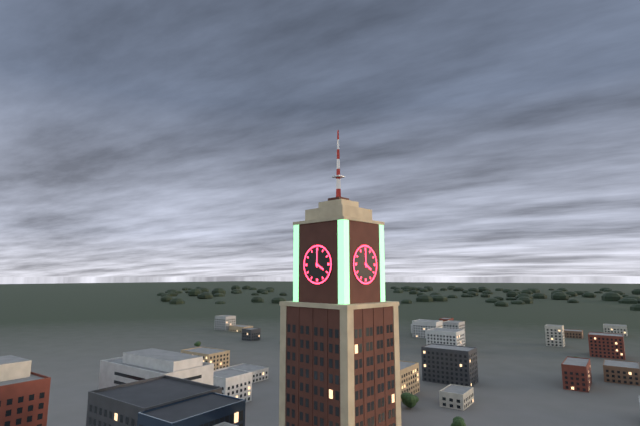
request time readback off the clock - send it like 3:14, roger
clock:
4:00
